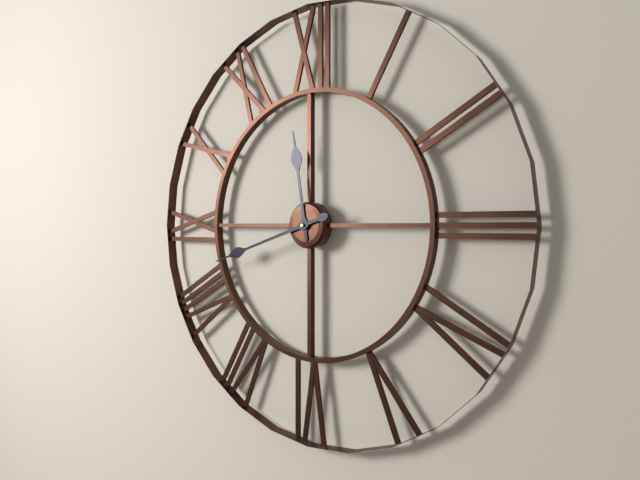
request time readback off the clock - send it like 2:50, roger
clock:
11:42
